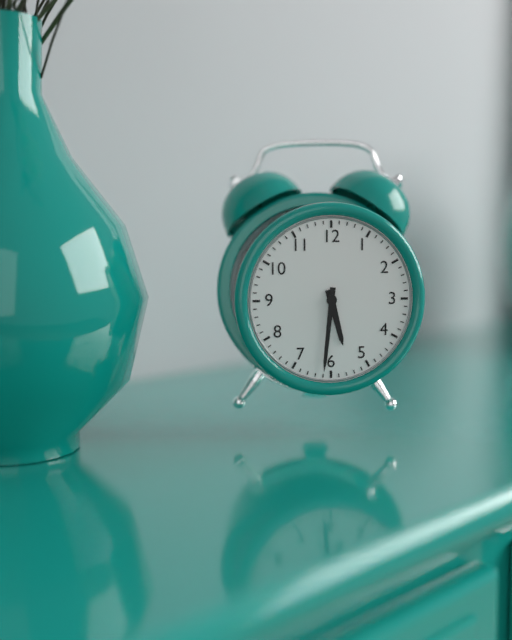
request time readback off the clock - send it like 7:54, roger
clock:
5:31
